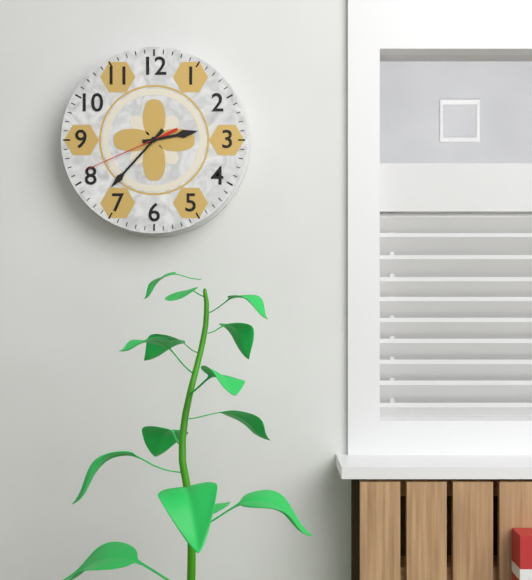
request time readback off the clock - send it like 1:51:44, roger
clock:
2:37:41
